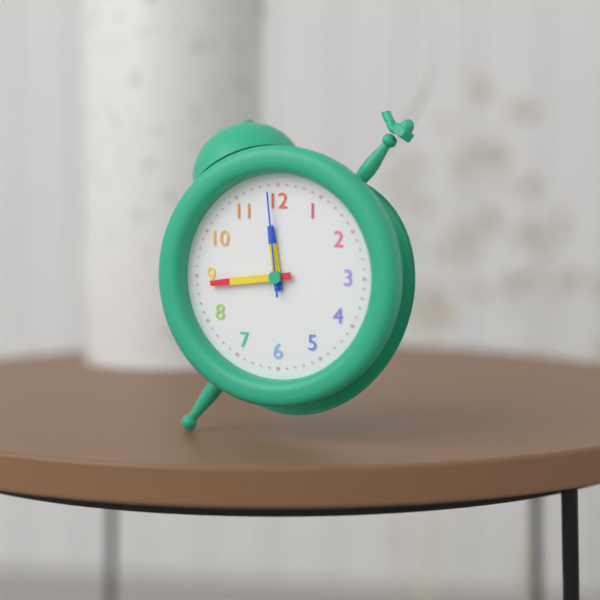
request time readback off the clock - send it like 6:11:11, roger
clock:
11:44:59
